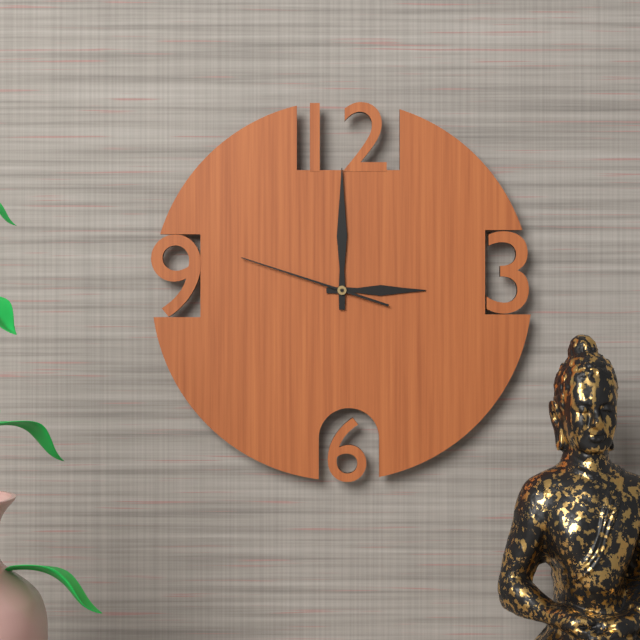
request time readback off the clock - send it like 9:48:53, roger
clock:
3:00:48
